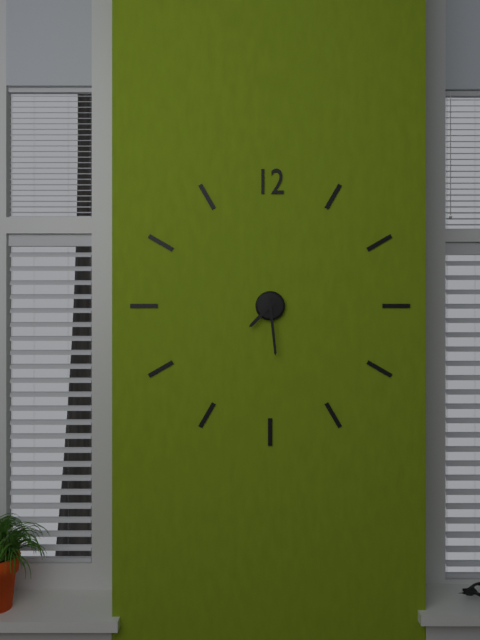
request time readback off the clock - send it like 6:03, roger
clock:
7:29
